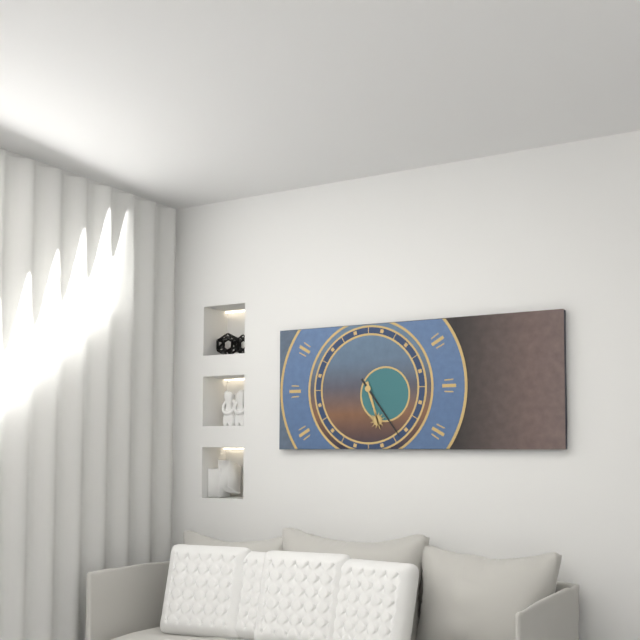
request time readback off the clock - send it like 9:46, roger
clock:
5:24
